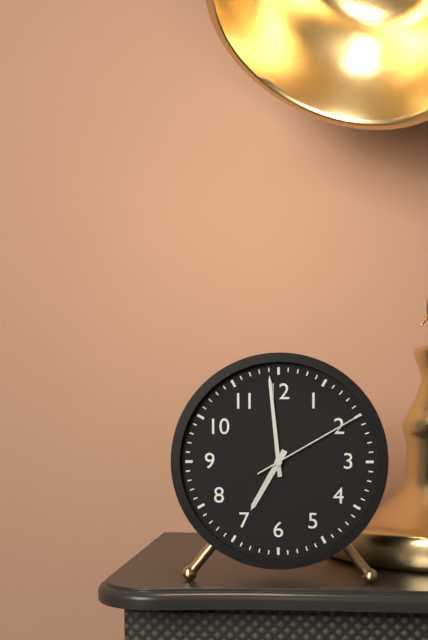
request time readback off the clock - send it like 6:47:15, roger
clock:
6:59:10
